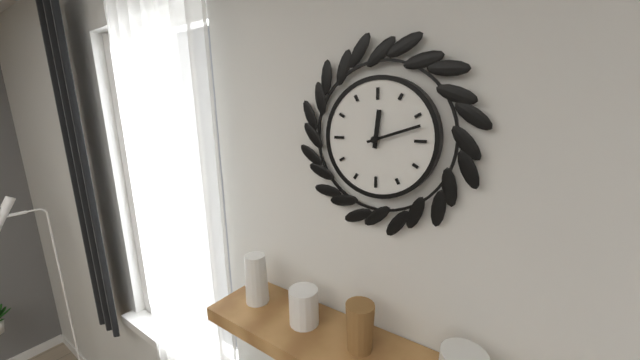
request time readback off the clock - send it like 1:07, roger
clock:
12:12
